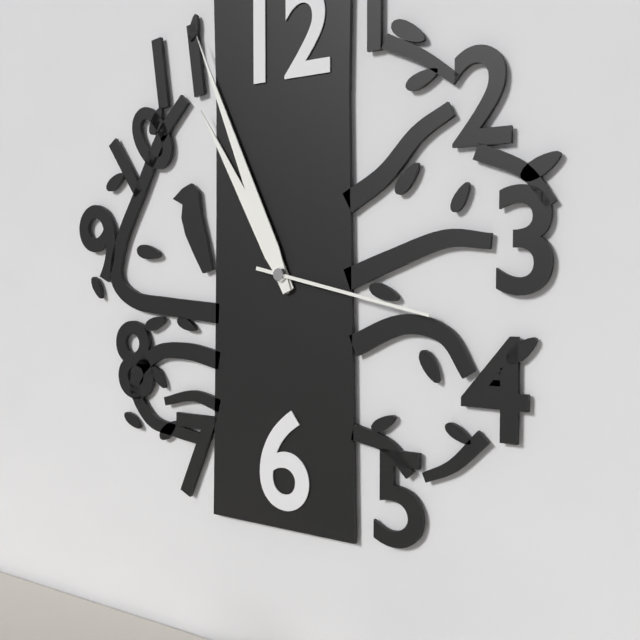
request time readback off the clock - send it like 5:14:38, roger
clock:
10:56:17
